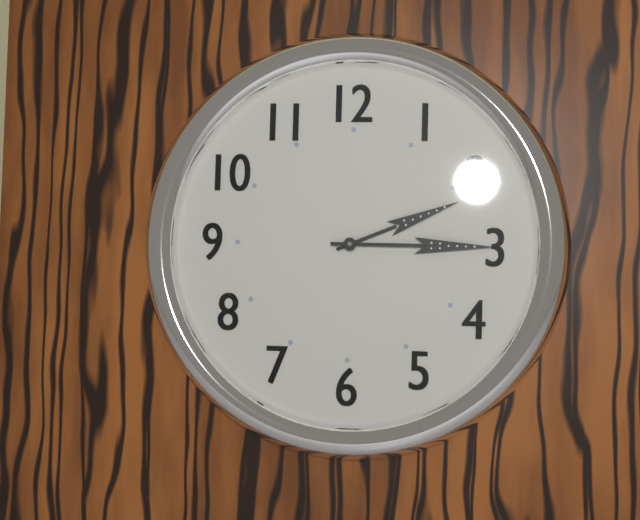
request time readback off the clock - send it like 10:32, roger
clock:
2:15
